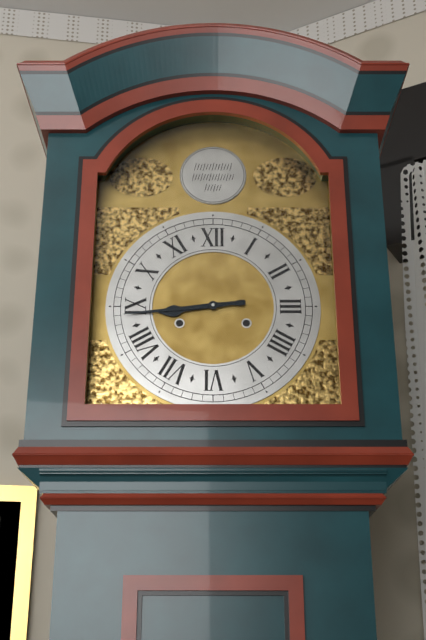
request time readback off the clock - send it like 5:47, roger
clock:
8:44
